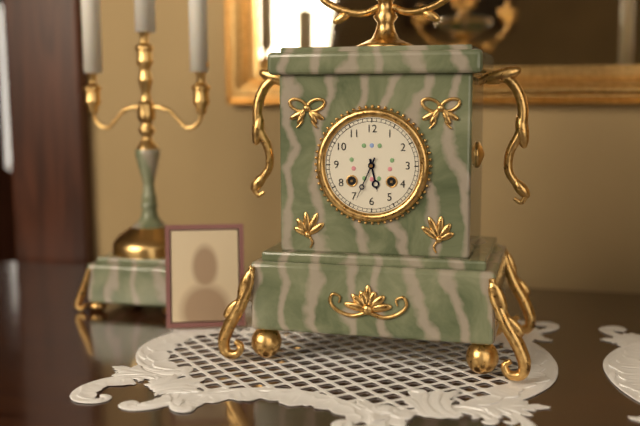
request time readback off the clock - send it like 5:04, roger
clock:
5:34
